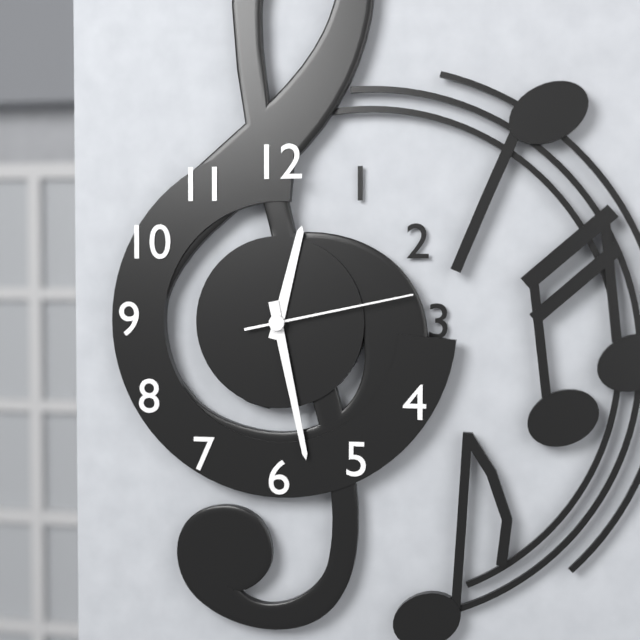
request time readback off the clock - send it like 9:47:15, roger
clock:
12:28:13
